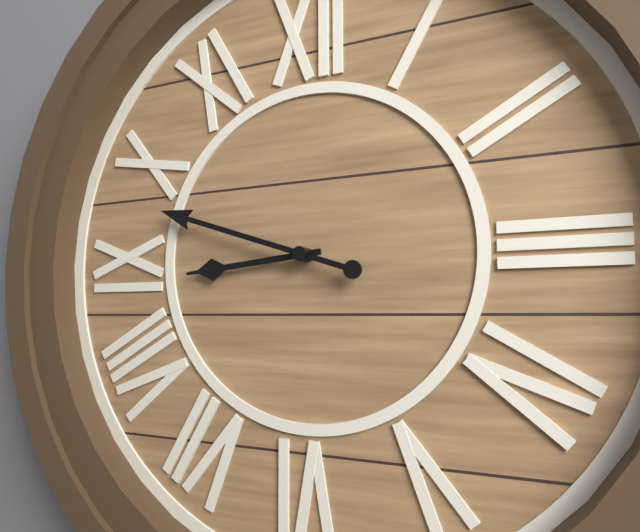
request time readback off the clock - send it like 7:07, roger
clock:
8:48
